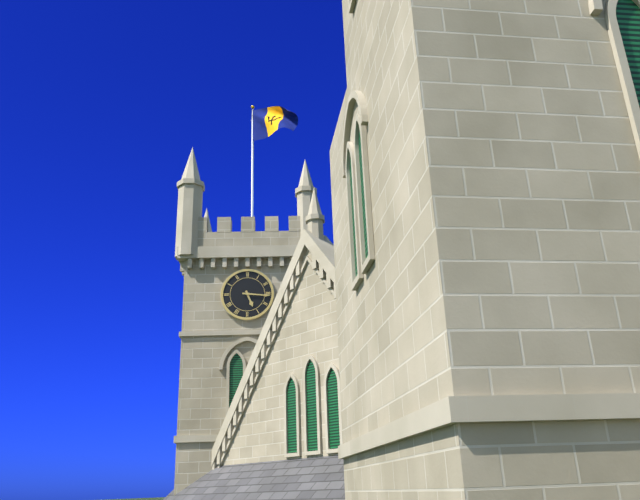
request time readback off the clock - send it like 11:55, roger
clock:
5:16
